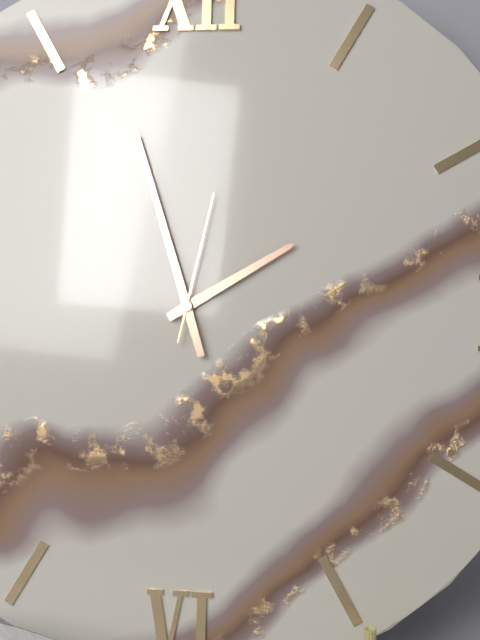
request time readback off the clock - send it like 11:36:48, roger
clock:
1:57:02
